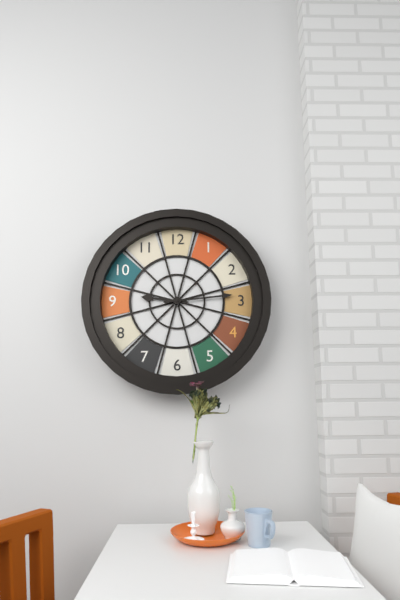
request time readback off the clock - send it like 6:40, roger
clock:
9:14
